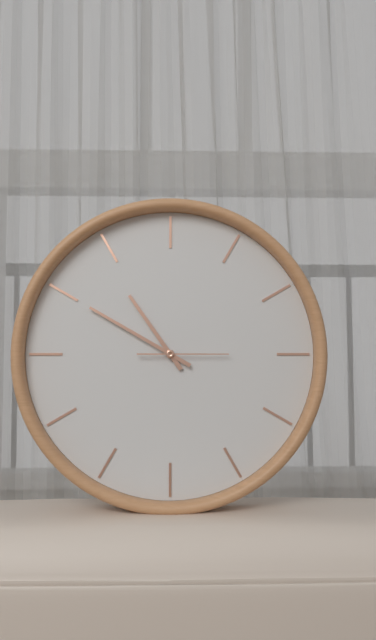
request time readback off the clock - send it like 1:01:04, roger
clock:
10:50:15
